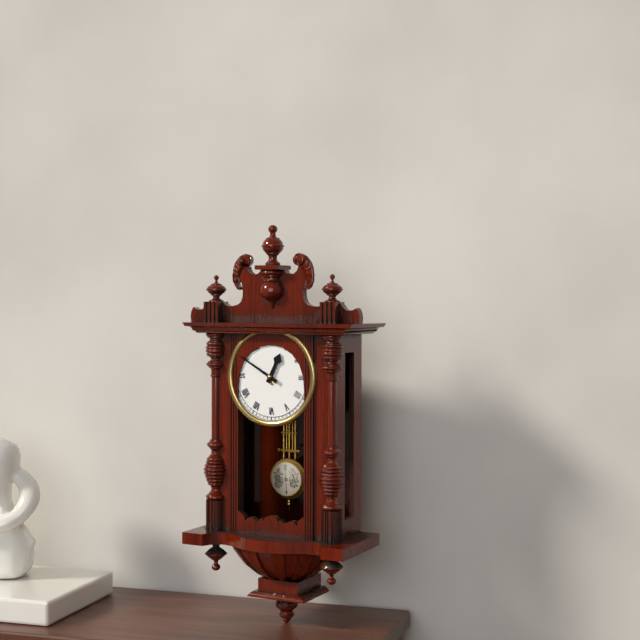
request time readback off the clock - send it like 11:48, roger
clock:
12:50
